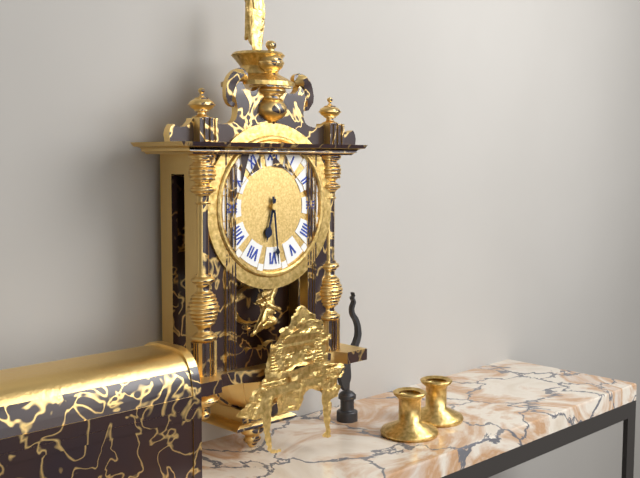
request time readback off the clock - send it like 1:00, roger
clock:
6:29
